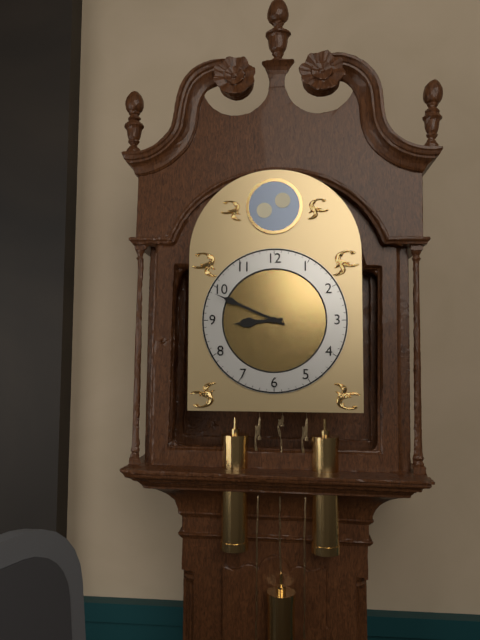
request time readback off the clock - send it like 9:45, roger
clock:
8:49
